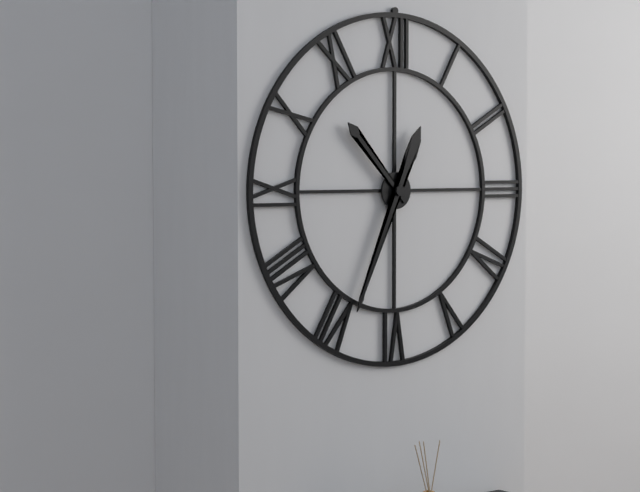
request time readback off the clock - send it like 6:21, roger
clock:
10:34
